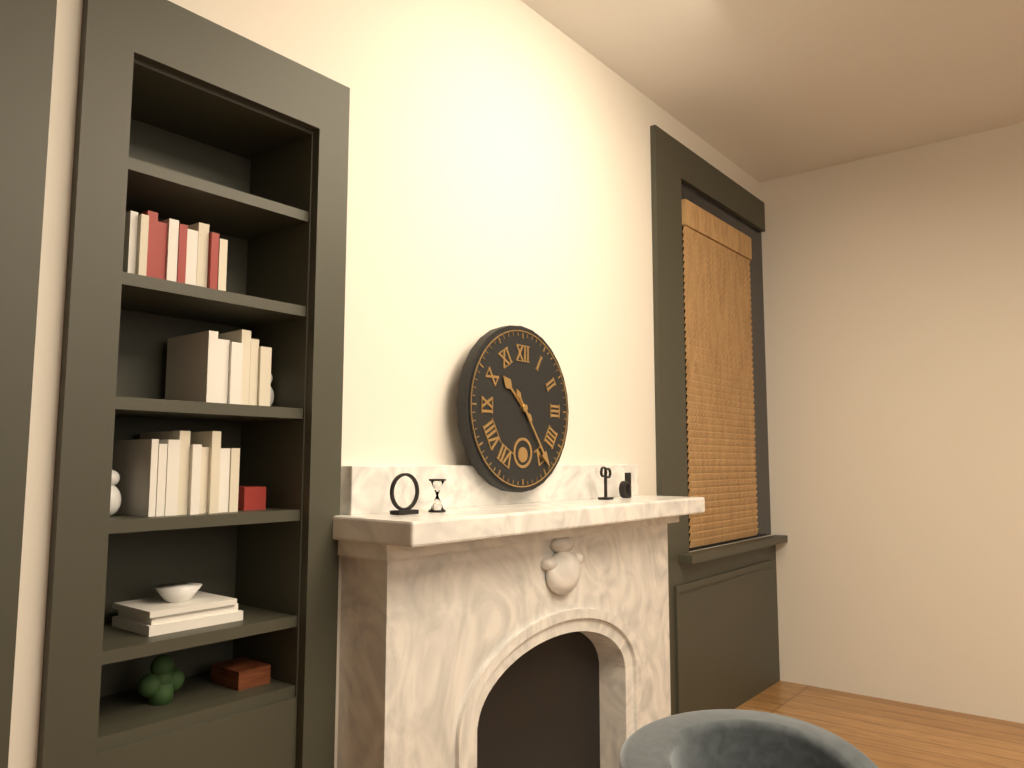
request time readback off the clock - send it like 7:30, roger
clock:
10:24
